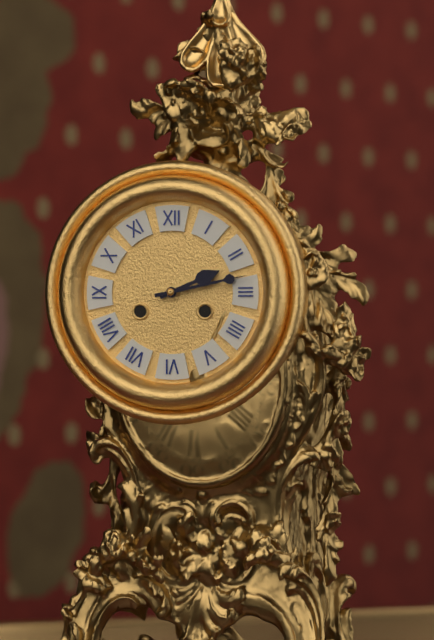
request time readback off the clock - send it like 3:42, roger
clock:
2:13
